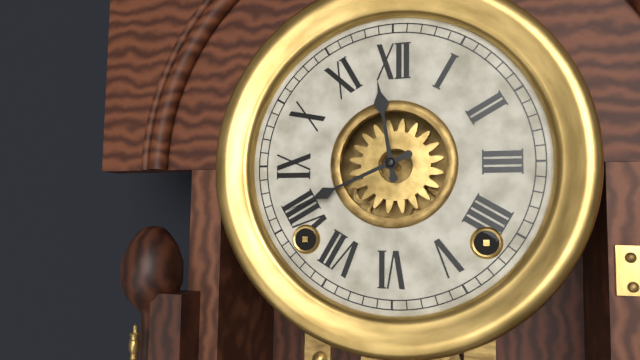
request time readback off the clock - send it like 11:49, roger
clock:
11:41
